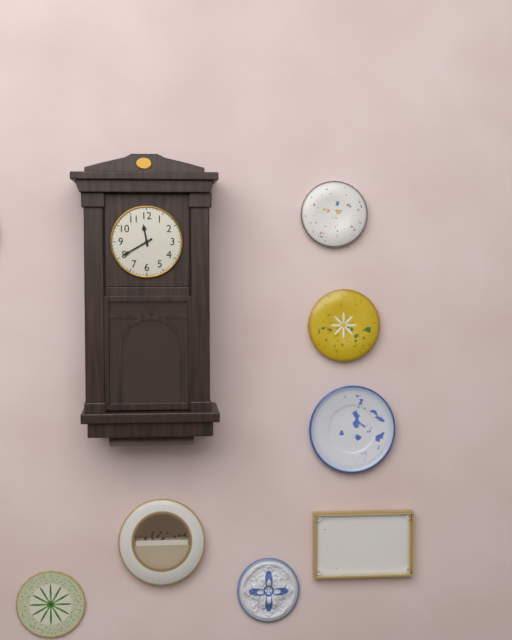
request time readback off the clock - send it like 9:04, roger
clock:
11:40
